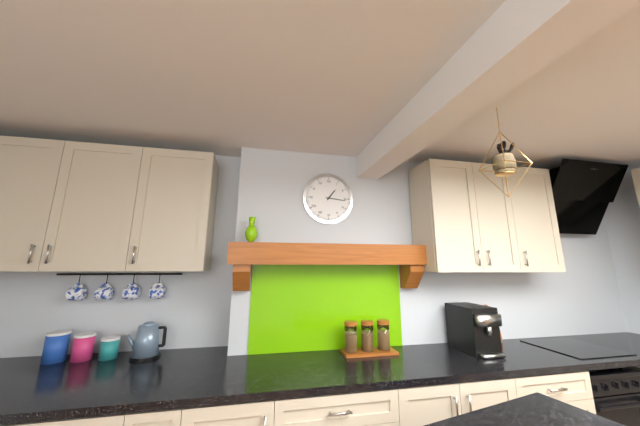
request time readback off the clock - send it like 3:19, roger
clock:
1:16
